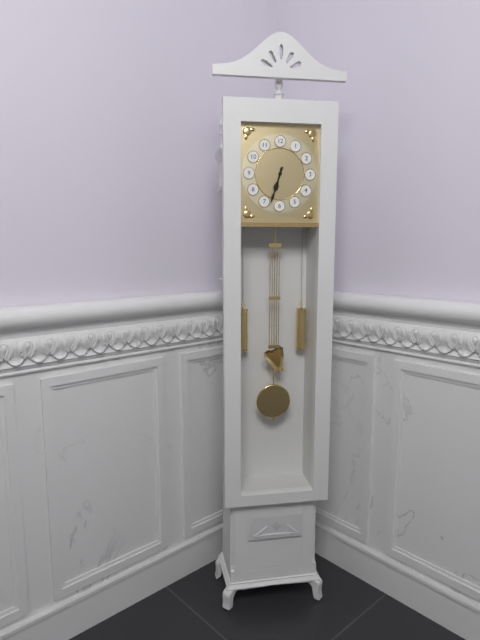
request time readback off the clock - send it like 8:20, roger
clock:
6:33
